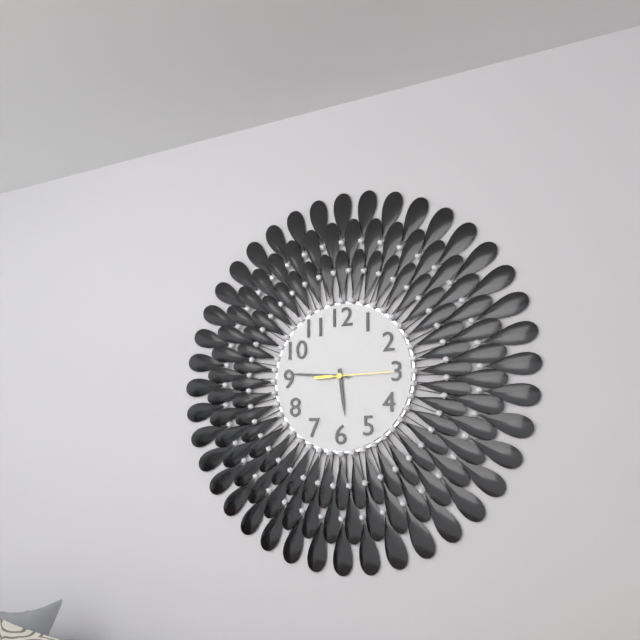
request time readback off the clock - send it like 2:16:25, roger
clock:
5:46:15
